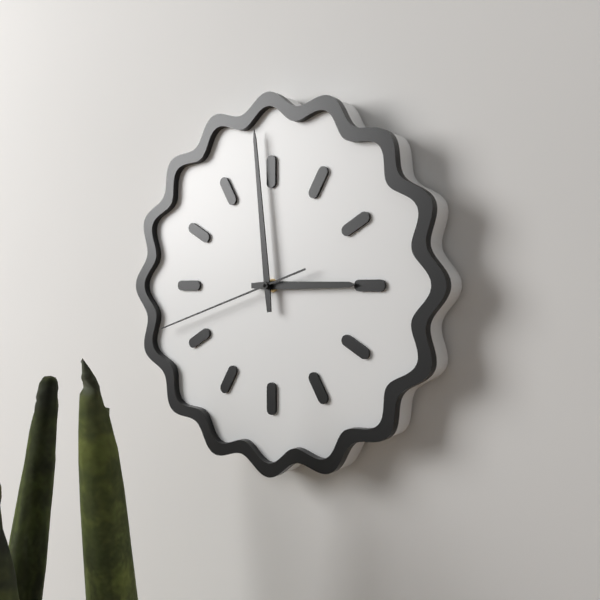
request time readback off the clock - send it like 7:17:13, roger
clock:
2:59:42
